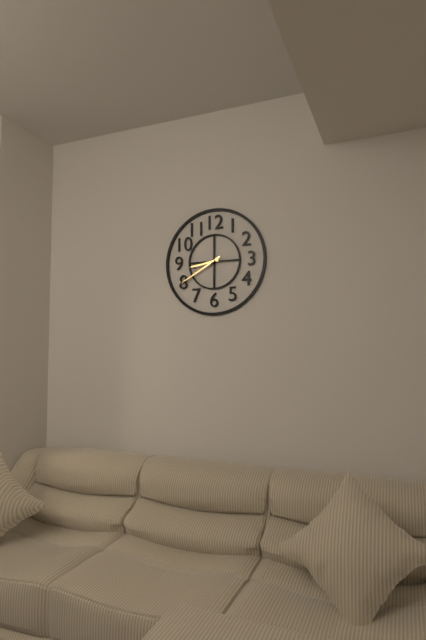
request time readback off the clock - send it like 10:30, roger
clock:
8:40
